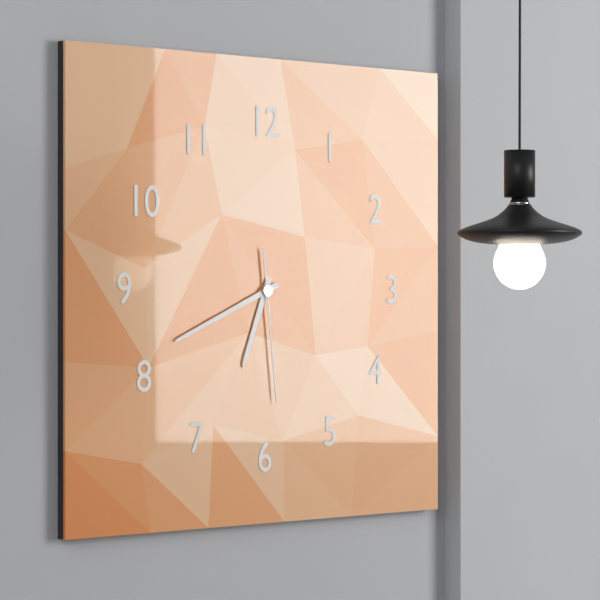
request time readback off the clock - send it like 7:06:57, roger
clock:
6:41:29
